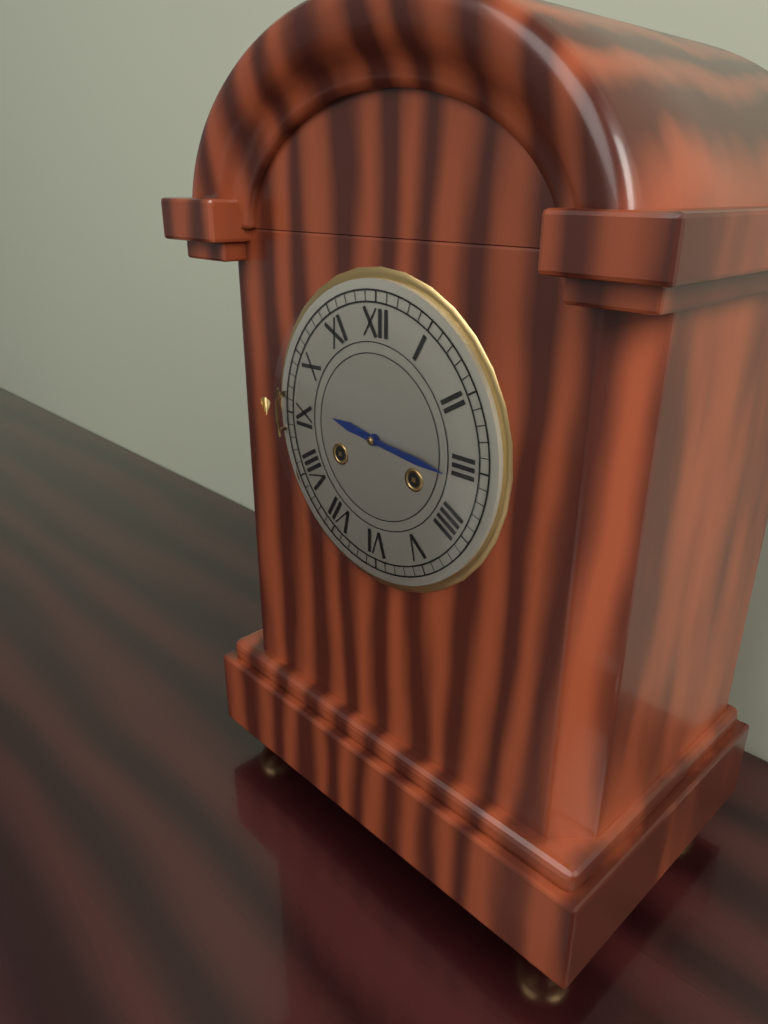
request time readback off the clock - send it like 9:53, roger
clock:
9:16
